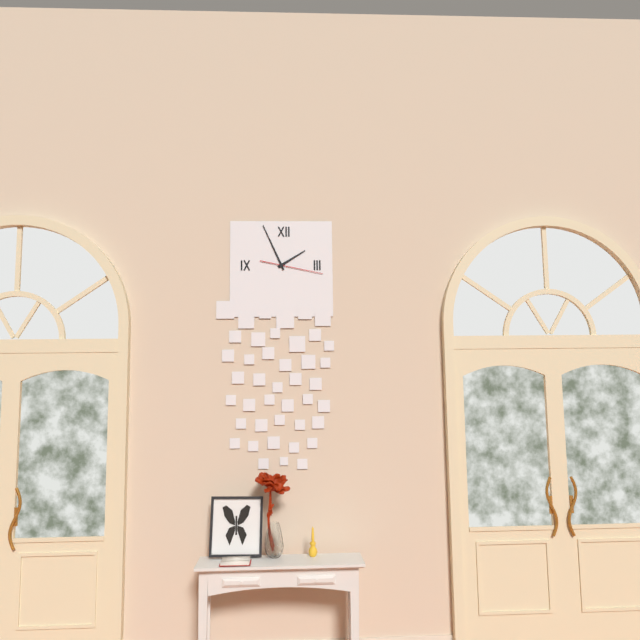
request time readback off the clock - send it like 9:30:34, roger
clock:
1:56:17
